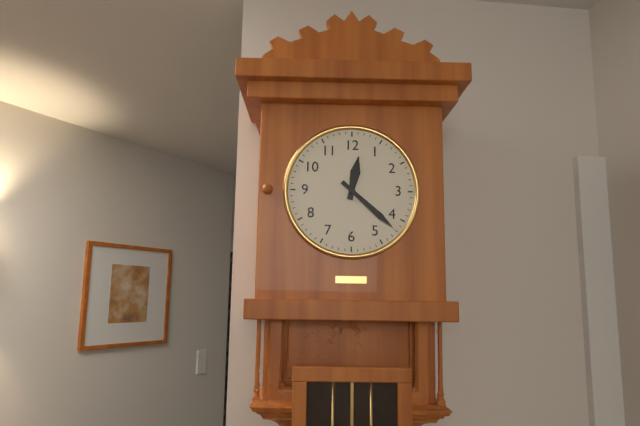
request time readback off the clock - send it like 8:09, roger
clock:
12:22
